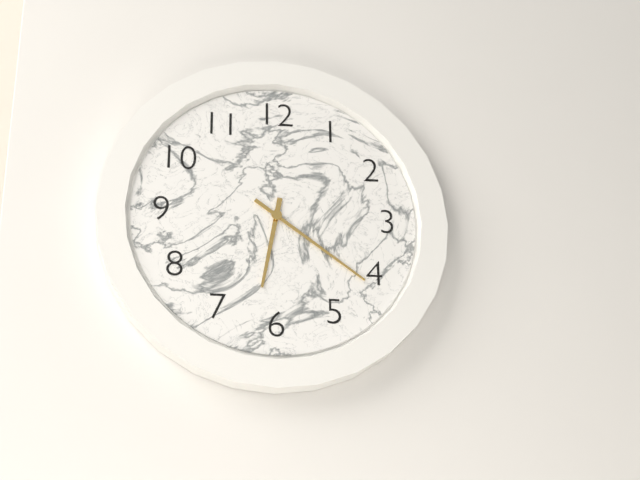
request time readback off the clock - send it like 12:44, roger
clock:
6:21
